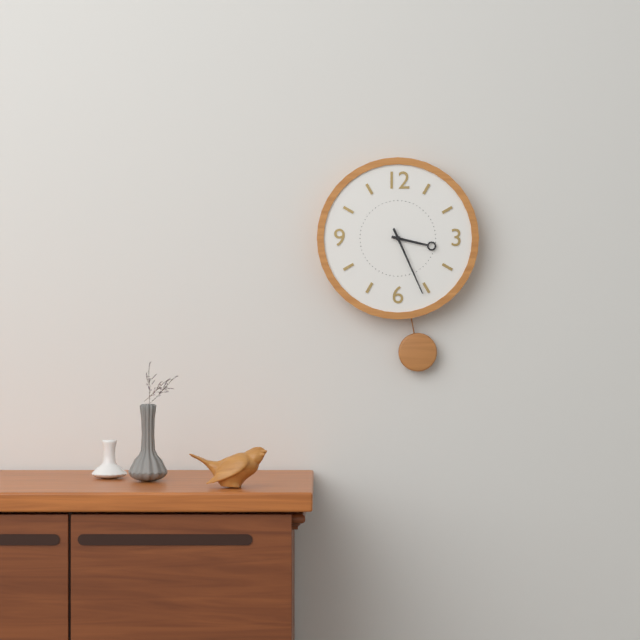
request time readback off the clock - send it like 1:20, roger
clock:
3:26
